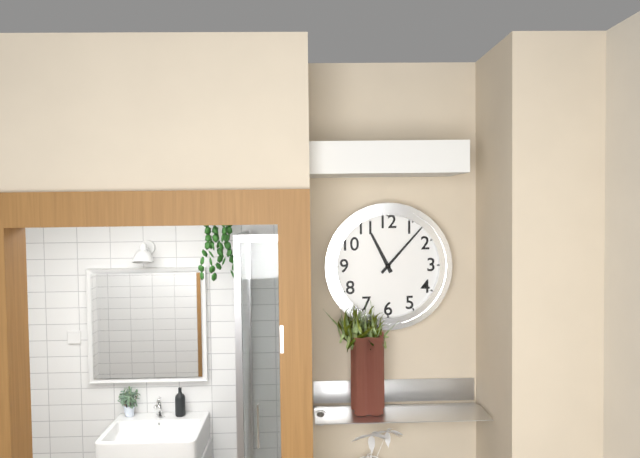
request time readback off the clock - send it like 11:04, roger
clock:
11:07
